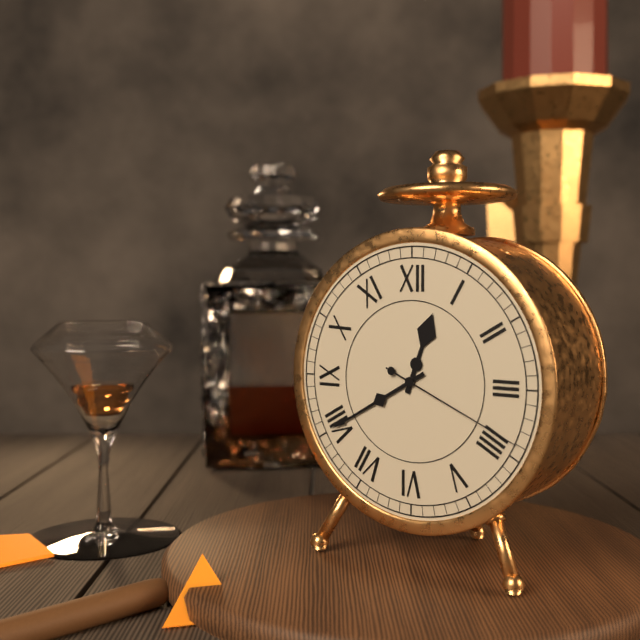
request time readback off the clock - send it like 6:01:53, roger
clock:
12:40:19
